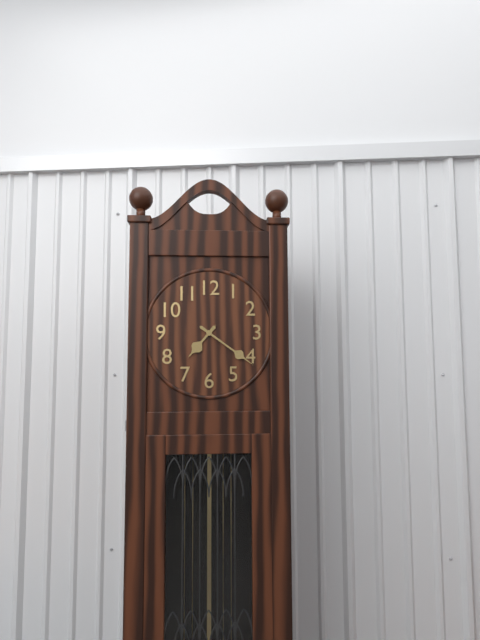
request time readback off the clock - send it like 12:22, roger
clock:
7:21
